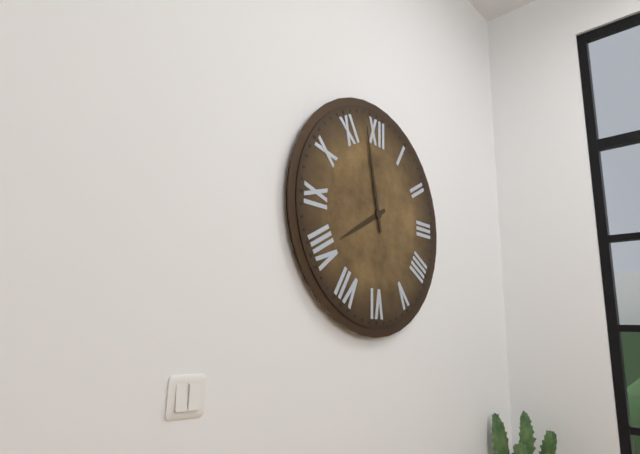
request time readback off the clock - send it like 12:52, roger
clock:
7:58
